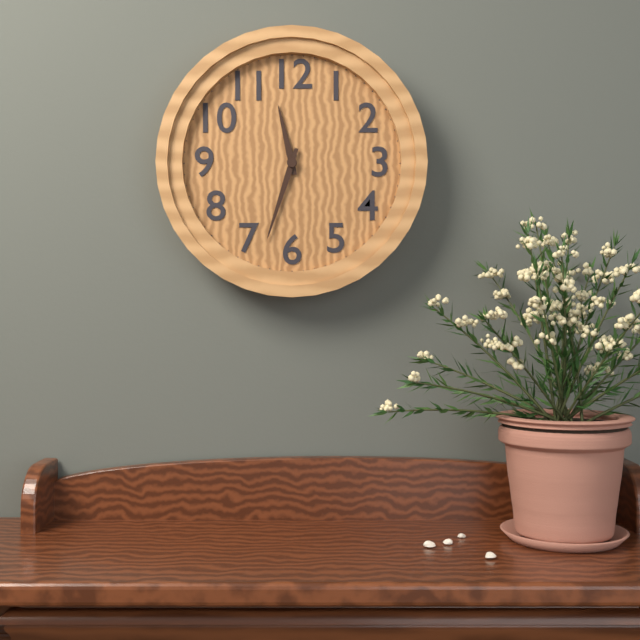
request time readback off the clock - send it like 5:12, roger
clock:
11:33
